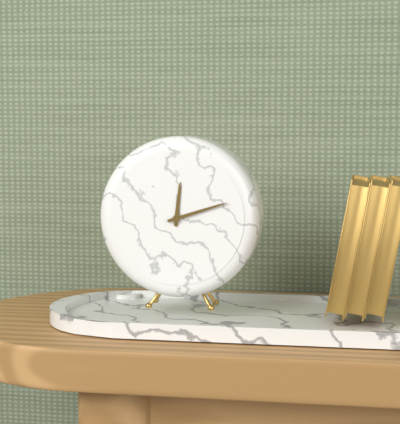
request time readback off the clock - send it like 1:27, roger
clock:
12:12
